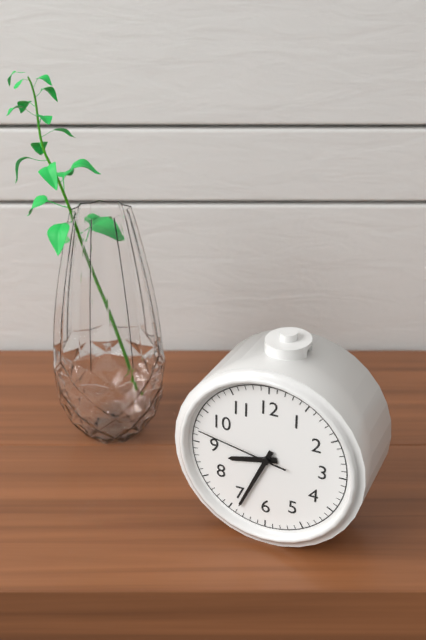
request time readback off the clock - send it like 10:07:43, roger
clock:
8:34:47
